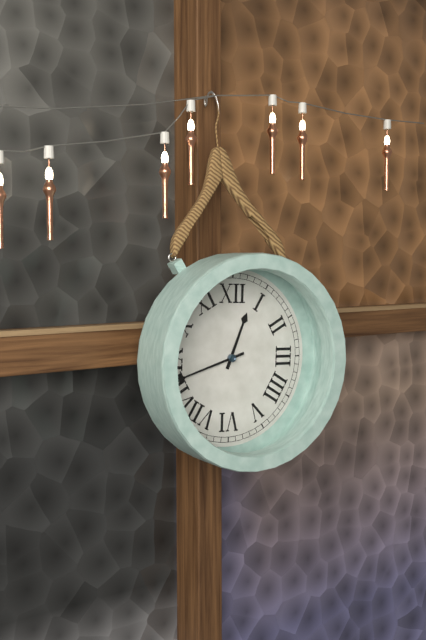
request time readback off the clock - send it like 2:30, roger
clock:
12:42
